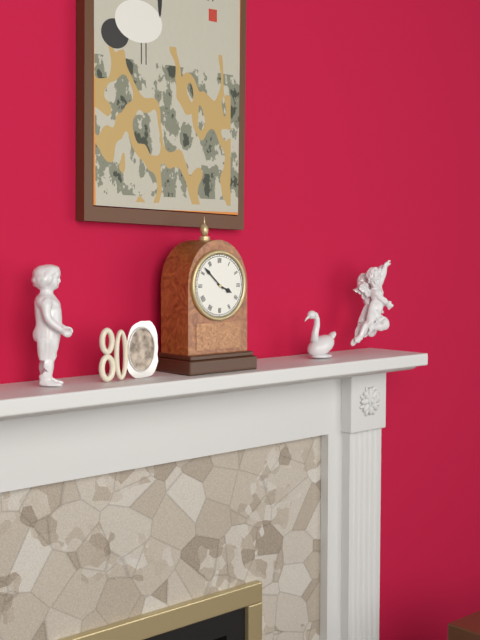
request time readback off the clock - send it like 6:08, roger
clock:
3:52
